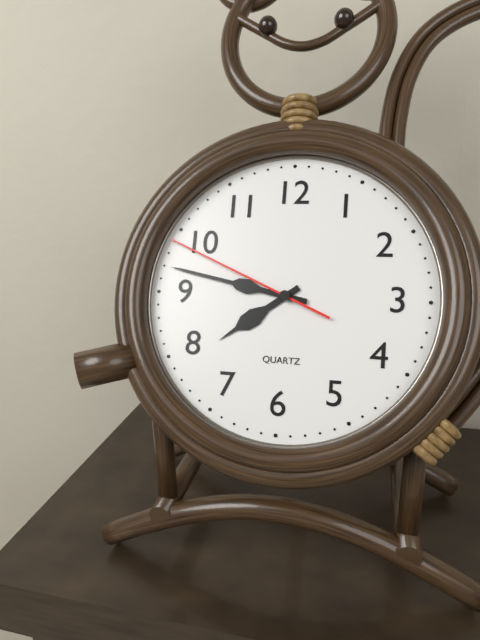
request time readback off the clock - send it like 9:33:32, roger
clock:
7:47:49
